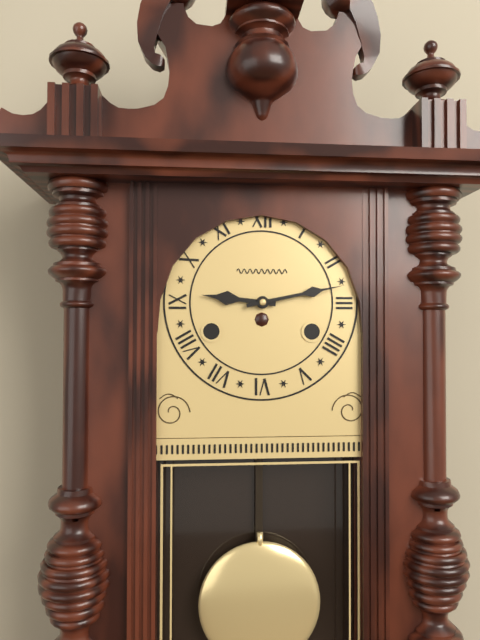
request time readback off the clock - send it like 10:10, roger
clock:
9:13
